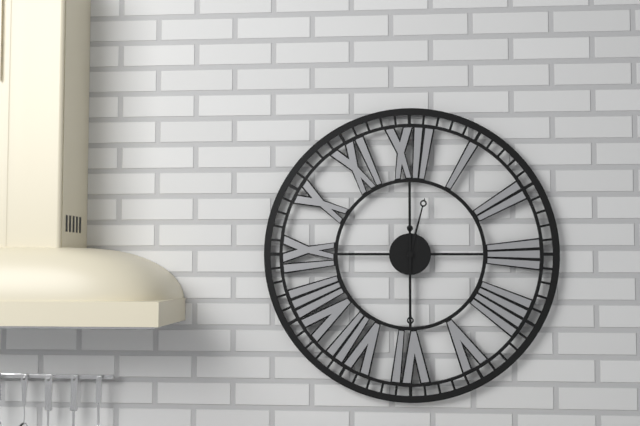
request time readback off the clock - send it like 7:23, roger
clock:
12:30
